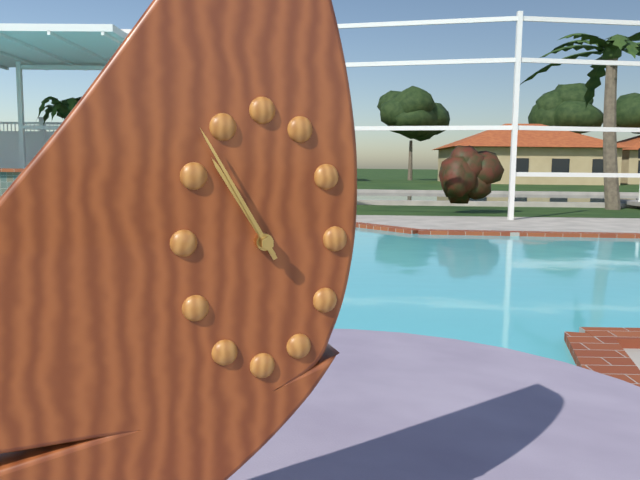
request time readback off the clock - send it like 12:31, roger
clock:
10:55
